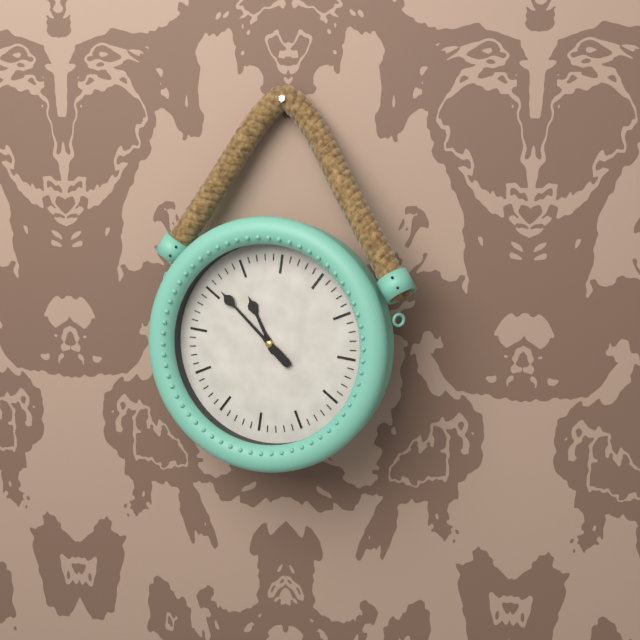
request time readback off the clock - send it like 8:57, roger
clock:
10:51
